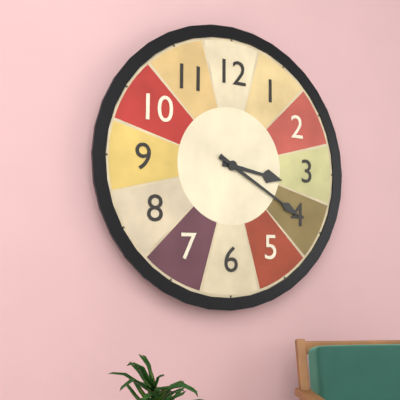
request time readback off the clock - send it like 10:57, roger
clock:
3:20
